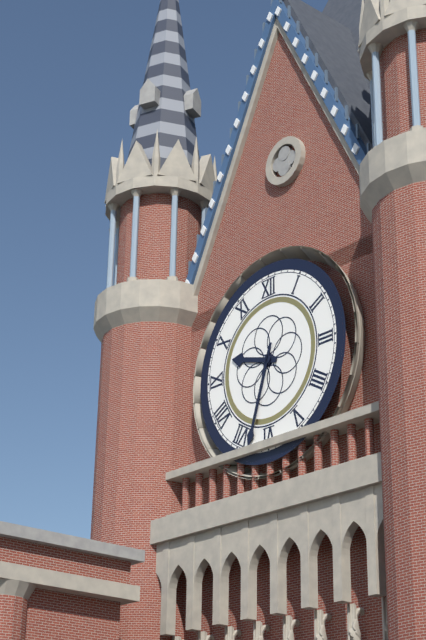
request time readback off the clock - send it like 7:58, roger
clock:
9:33
